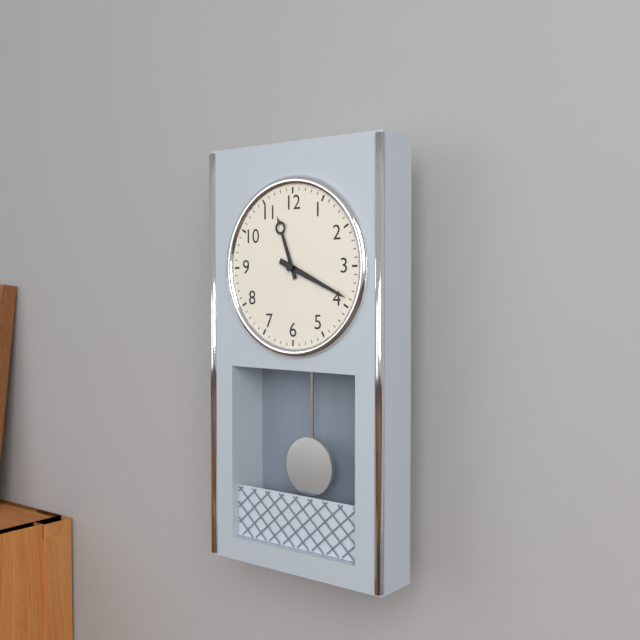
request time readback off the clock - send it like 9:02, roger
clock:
11:19
